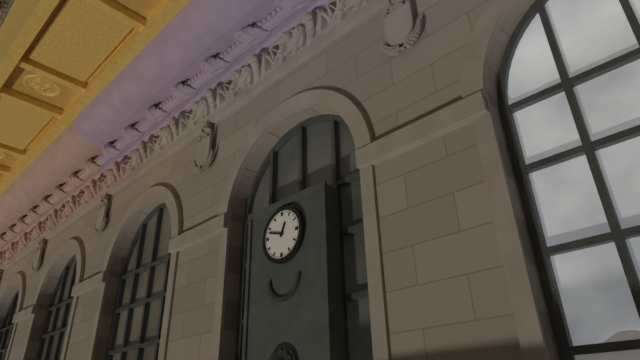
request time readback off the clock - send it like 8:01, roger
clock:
12:48
